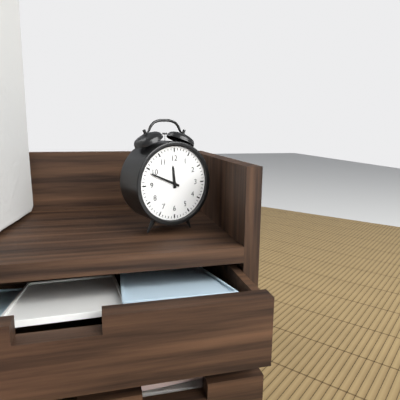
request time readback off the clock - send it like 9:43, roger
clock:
11:49
